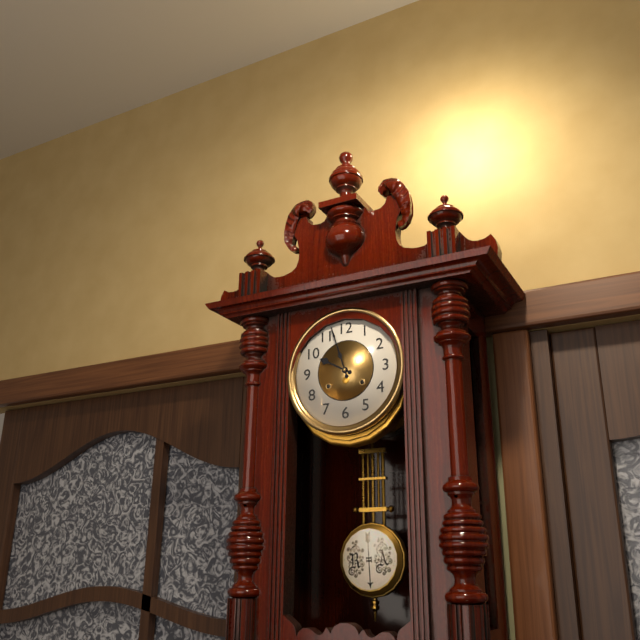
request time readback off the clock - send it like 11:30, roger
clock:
9:57
